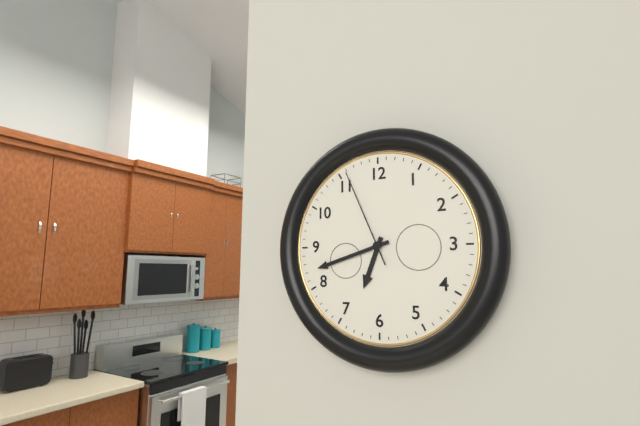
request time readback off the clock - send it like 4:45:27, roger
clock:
6:42:56
